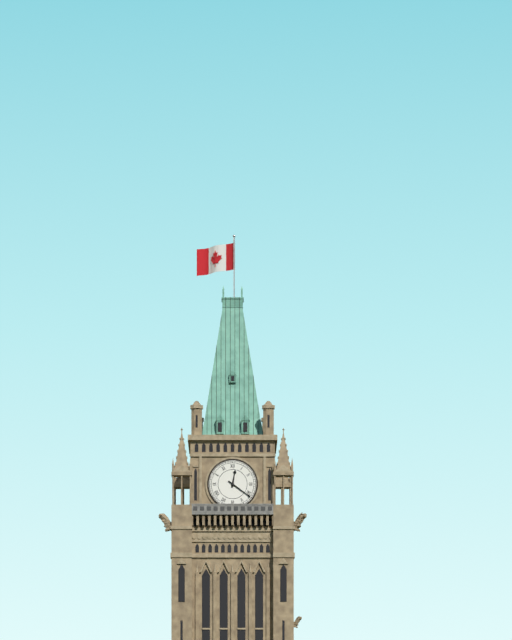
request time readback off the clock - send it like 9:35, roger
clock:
12:21
